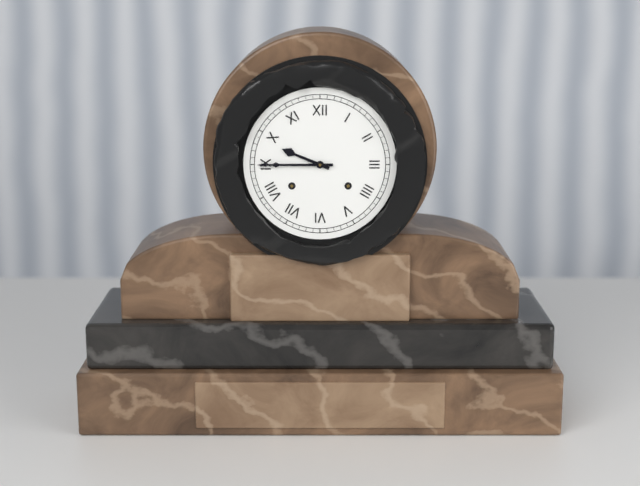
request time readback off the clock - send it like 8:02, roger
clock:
9:45
